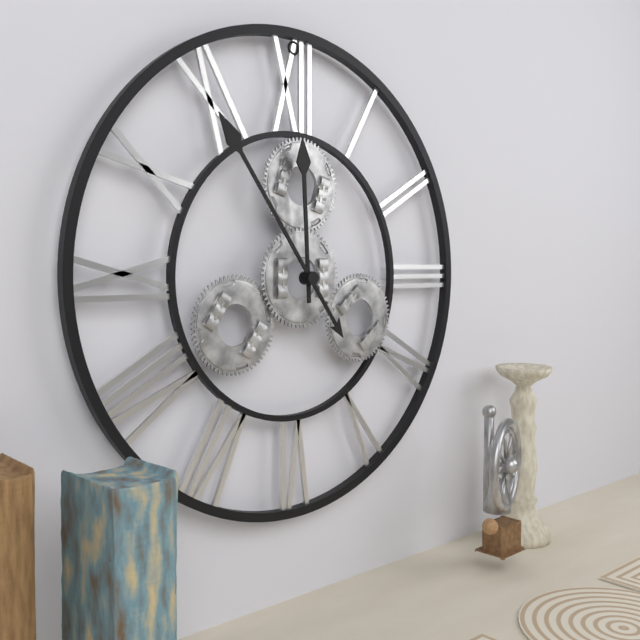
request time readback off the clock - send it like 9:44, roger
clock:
11:54
